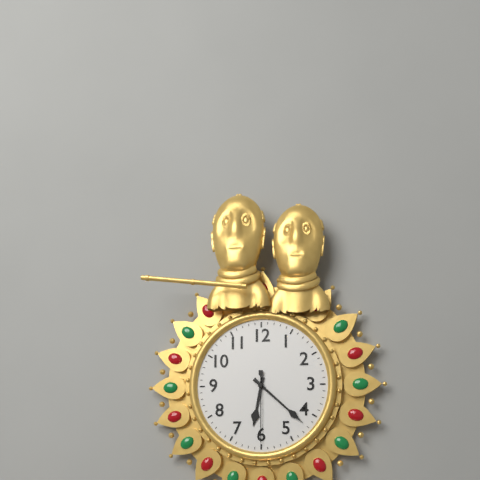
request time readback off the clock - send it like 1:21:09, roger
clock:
6:22:30
